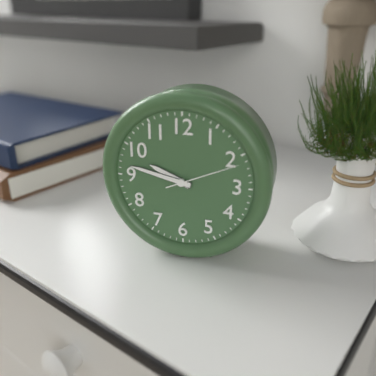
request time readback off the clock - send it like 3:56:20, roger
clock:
9:47:11
